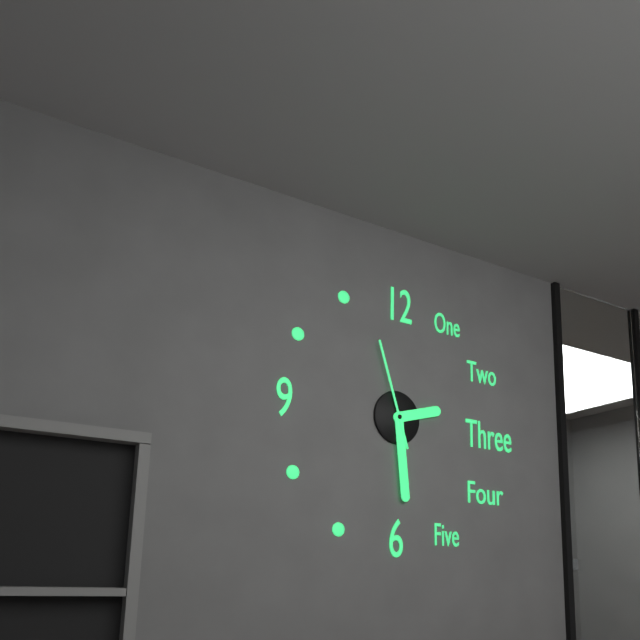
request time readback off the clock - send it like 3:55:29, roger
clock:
2:29:57
